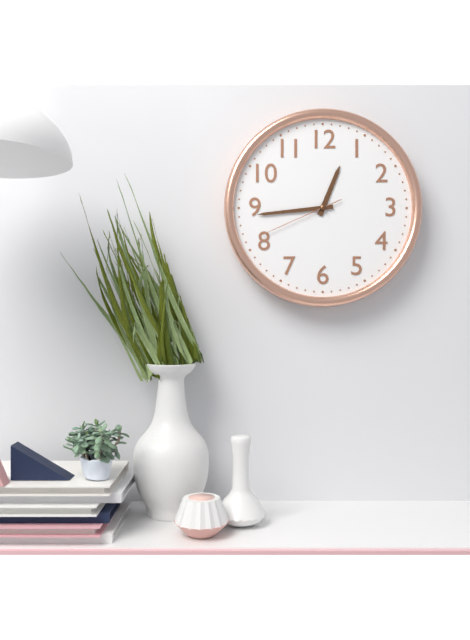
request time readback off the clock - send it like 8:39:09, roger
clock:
12:44:41
